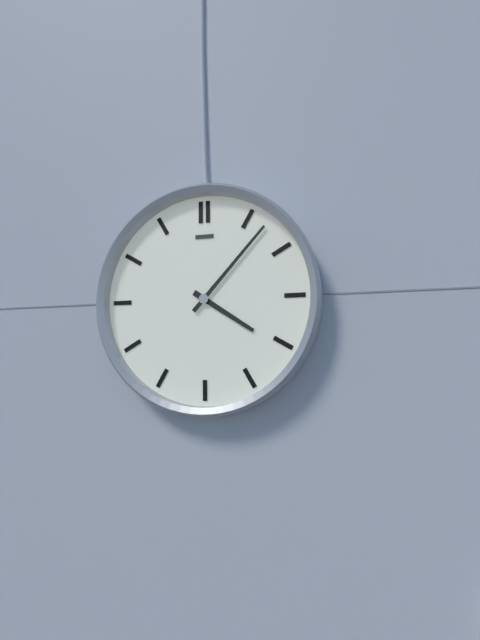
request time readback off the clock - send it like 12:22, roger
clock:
4:07
